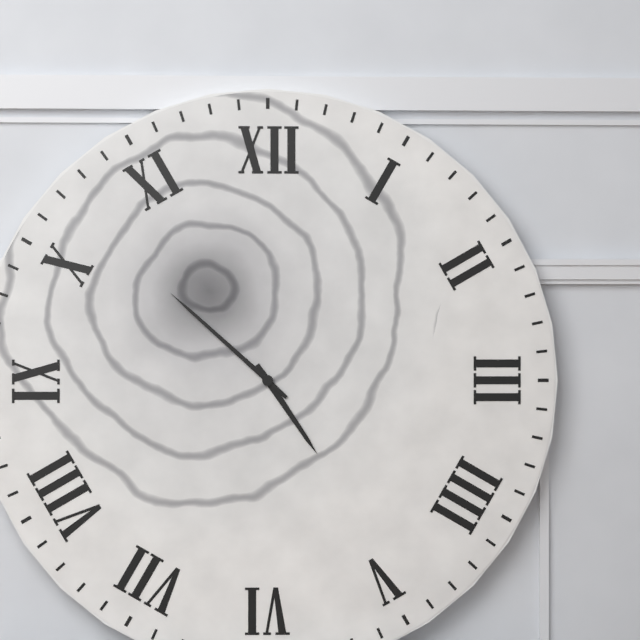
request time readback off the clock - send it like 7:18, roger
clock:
4:52
